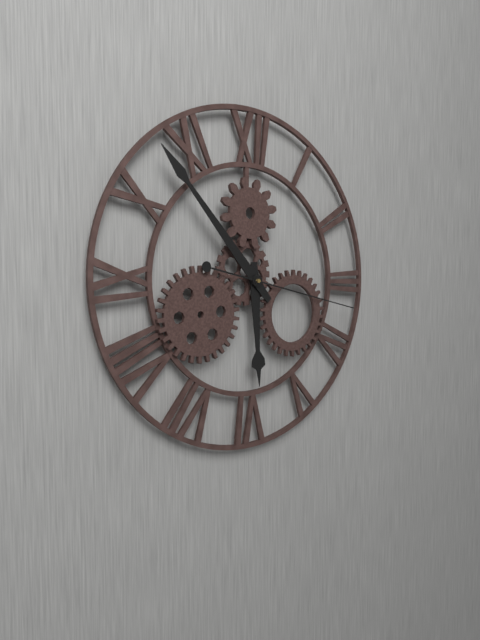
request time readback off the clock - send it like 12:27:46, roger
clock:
5:53:17
